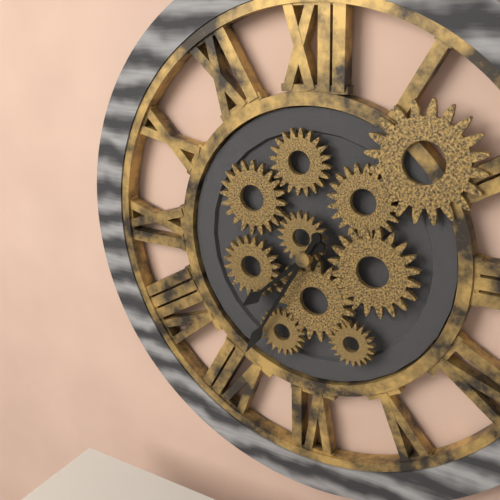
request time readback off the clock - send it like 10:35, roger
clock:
7:35
